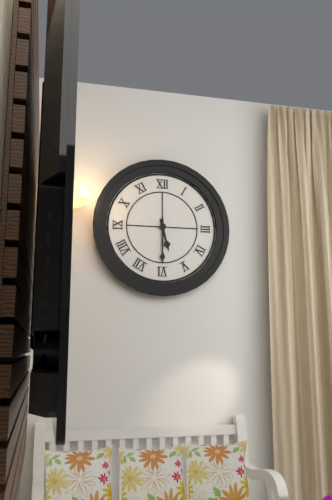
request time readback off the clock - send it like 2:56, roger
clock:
5:30
